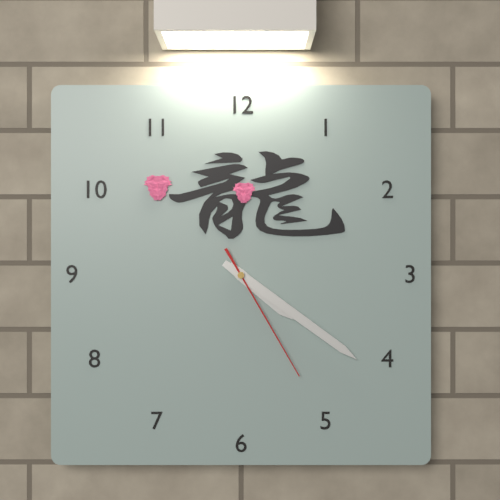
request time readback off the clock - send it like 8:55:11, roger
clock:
4:21:25
